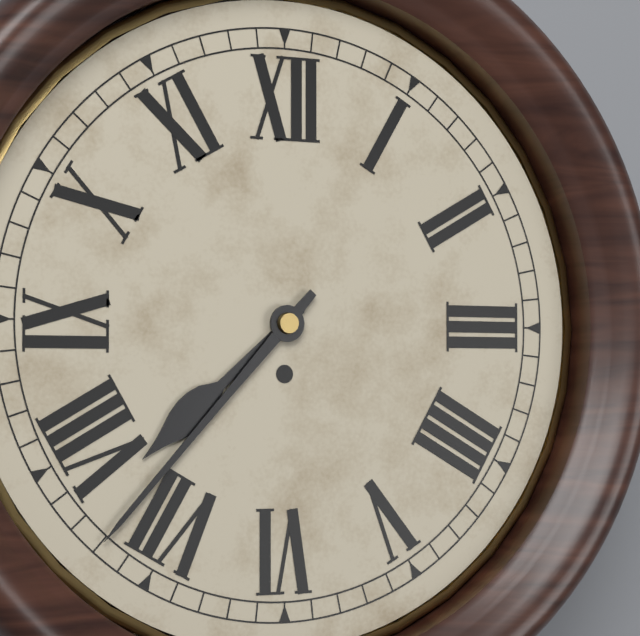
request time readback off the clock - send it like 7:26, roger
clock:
7:37
